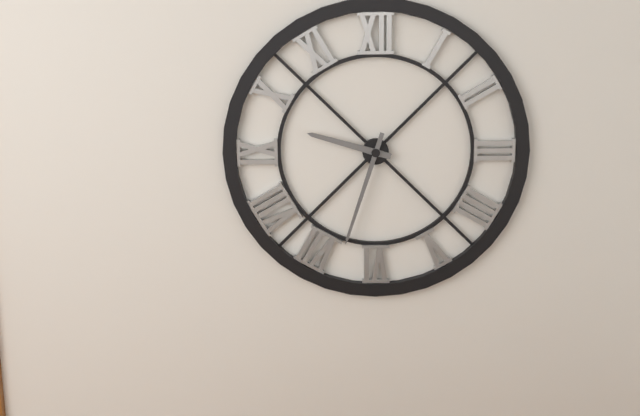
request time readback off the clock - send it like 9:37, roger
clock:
9:33
